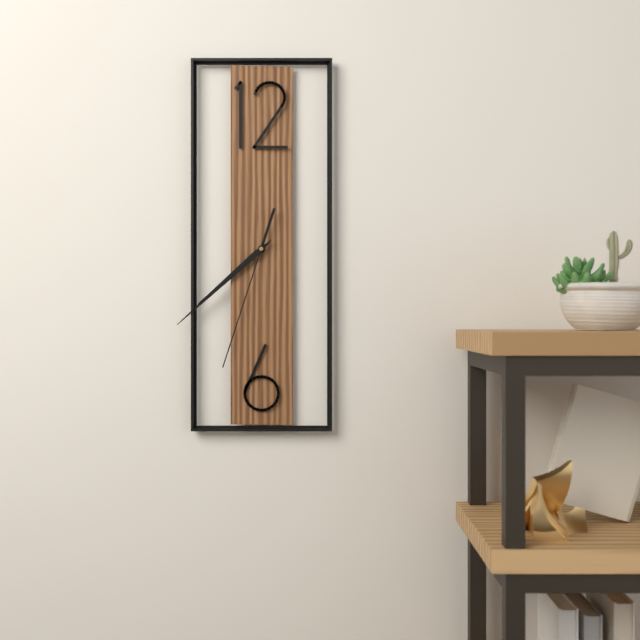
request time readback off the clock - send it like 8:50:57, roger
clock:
7:38:33
